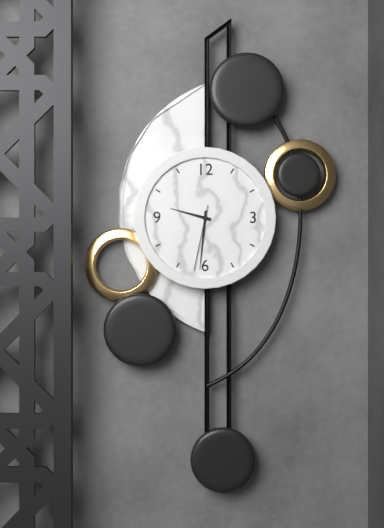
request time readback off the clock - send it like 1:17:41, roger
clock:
9:31:32
